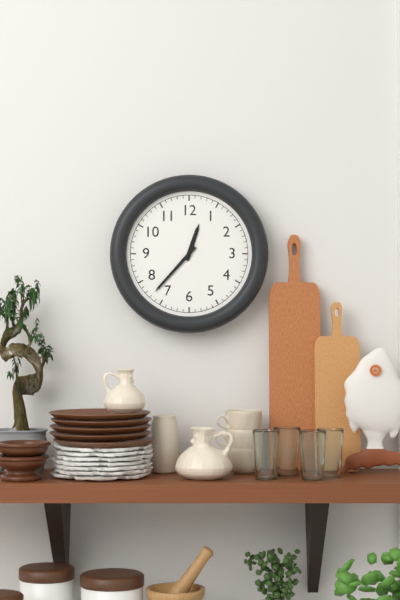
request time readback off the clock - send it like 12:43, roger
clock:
12:37
